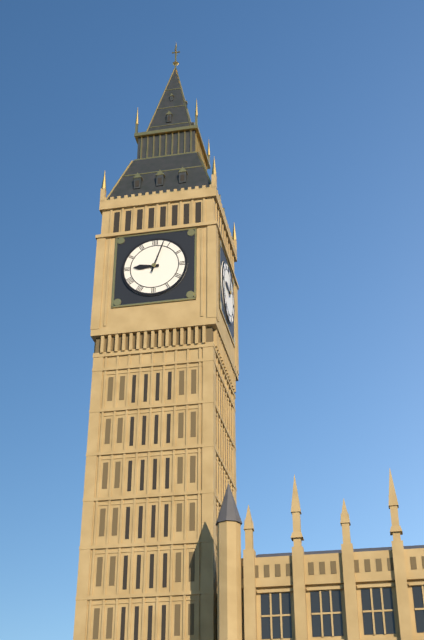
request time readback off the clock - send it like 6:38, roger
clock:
9:03
